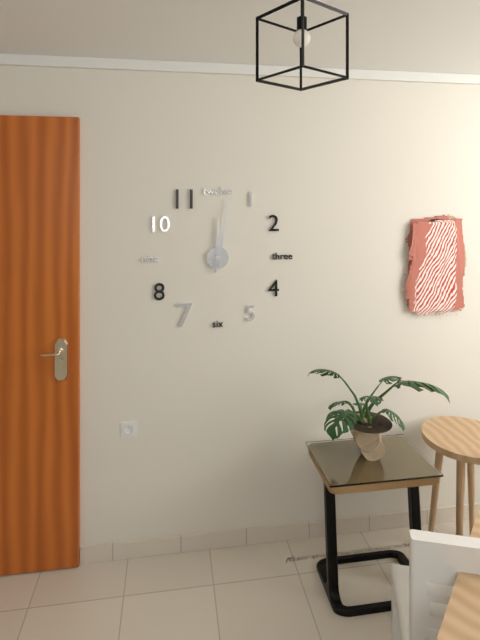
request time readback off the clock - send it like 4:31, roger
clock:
12:02
